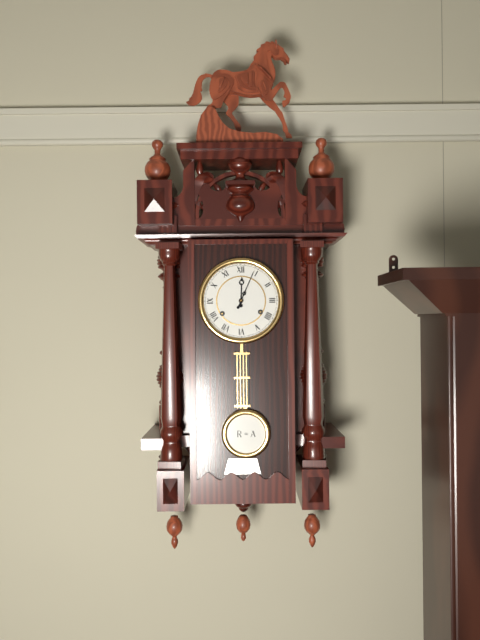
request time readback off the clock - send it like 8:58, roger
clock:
12:04
